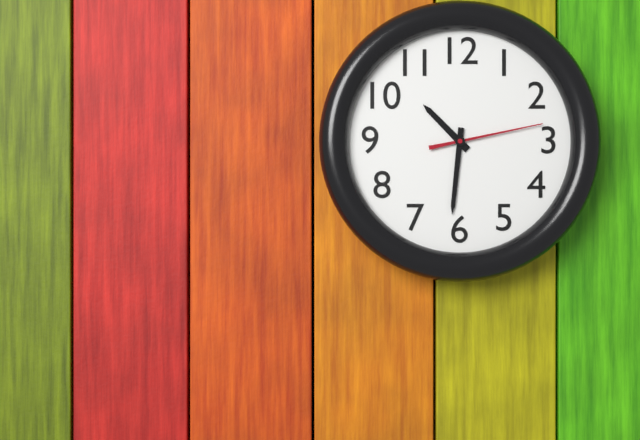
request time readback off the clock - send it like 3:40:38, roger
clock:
10:31:13
